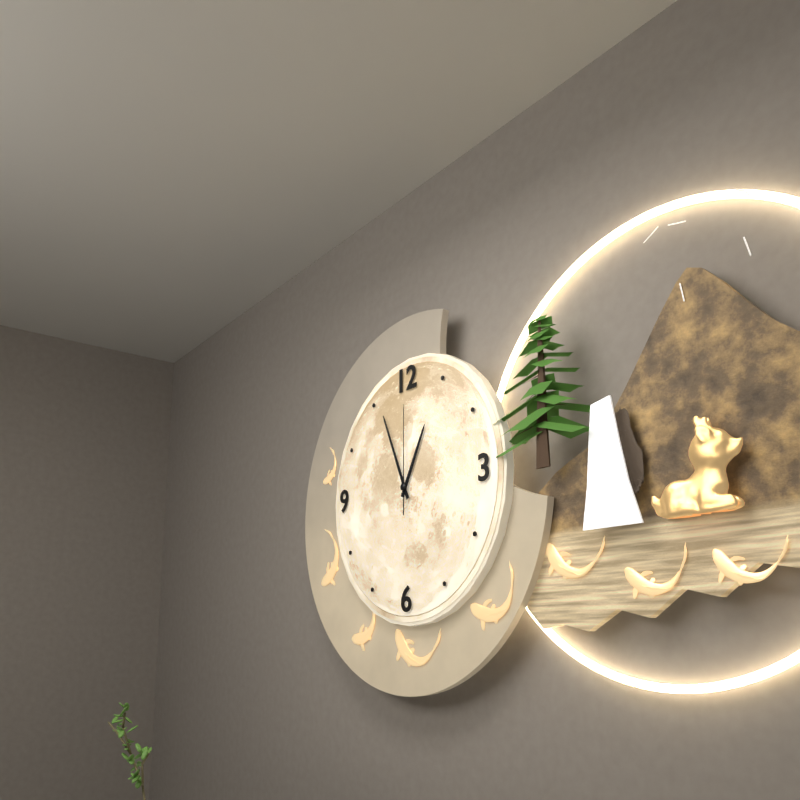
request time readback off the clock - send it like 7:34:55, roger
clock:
12:56:00
